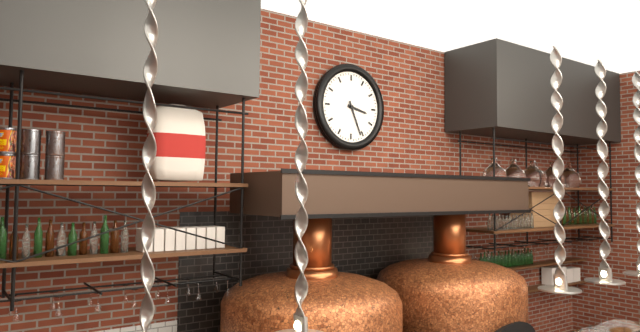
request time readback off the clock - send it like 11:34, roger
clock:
3:26
